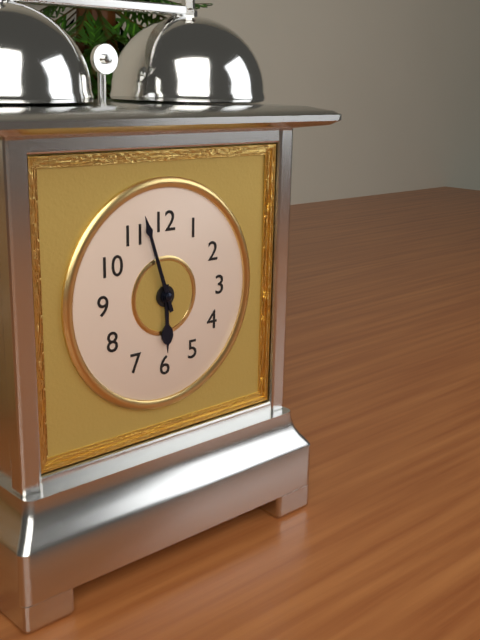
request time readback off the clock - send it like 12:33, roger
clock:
5:57
